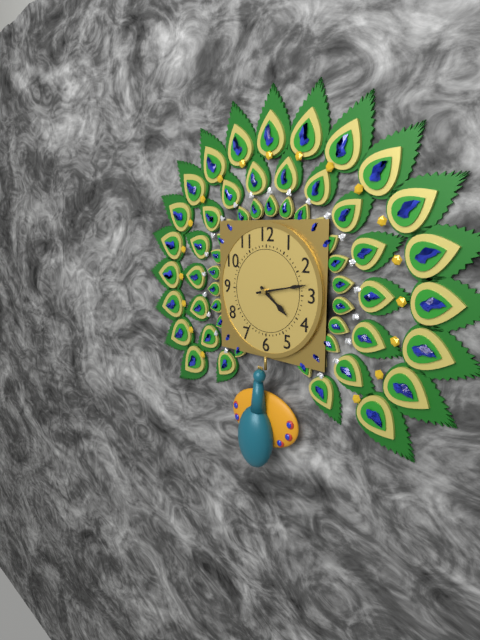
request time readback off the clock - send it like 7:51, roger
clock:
4:13
